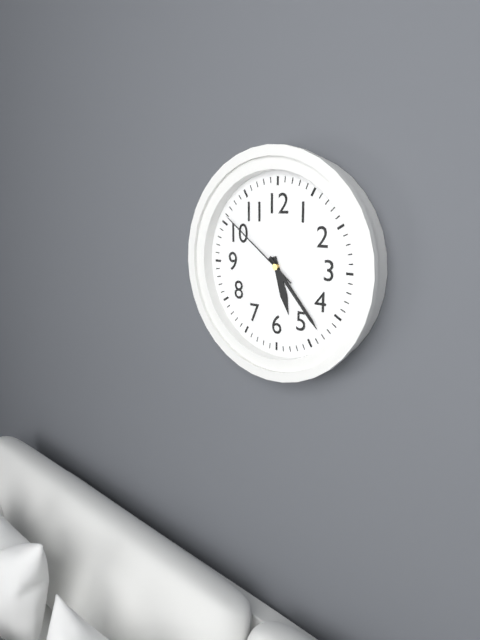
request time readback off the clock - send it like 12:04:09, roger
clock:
5:23:51
